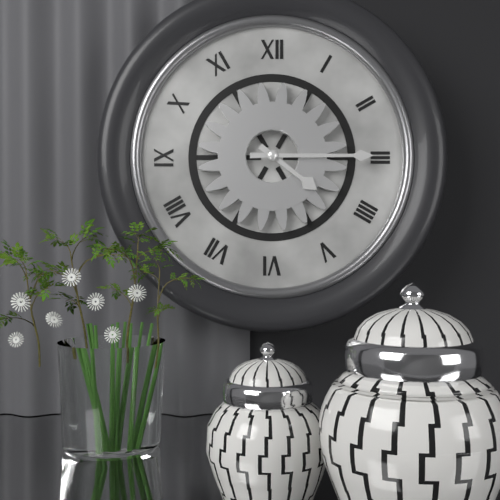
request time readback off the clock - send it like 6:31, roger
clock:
4:15
